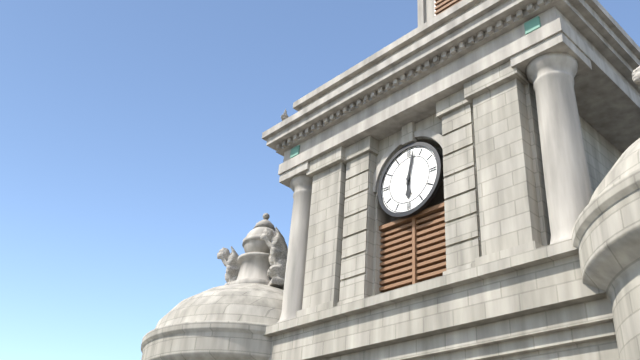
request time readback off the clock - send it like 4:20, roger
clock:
6:02
